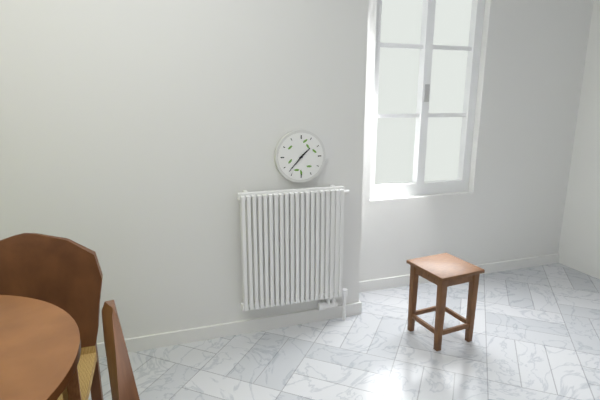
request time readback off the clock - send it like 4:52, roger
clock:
1:37
